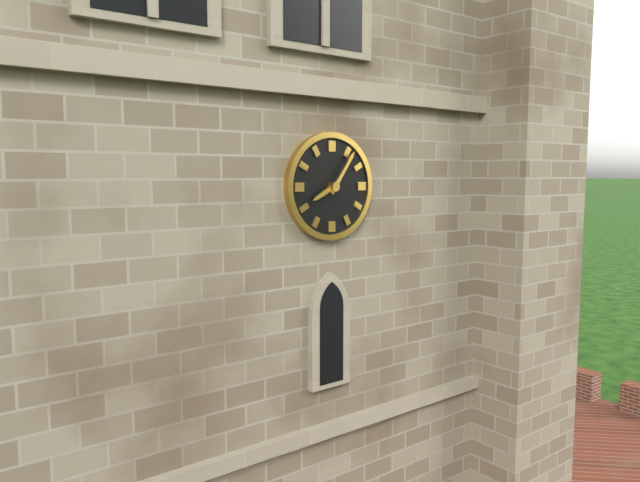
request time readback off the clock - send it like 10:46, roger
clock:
8:06
